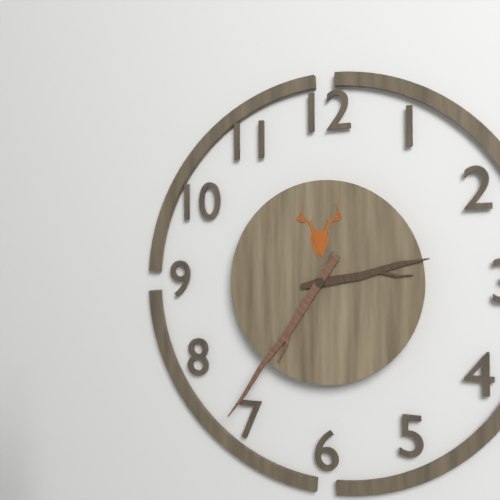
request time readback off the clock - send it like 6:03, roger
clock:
2:36
